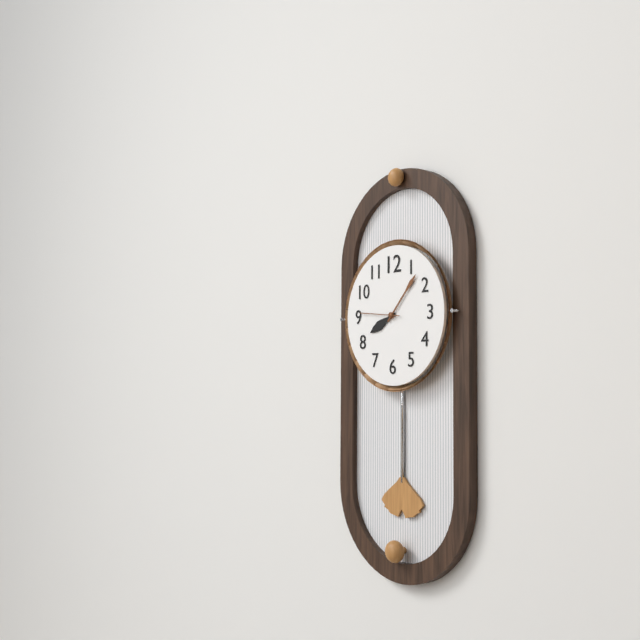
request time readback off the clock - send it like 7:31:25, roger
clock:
8:07:46
